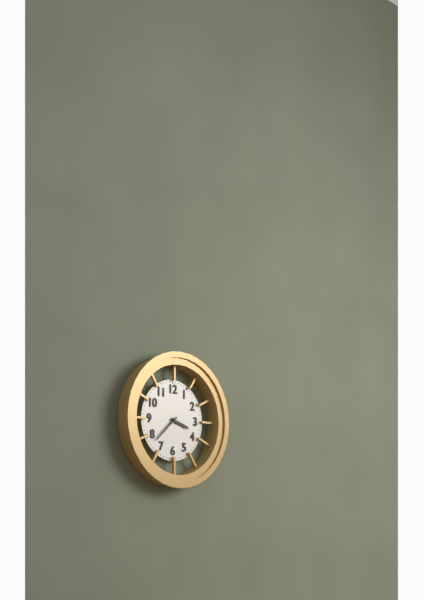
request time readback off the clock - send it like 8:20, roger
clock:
3:38
